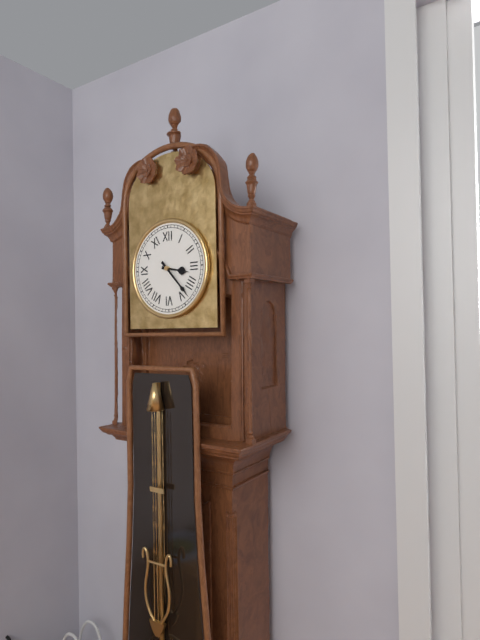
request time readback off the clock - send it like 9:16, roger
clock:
3:23
